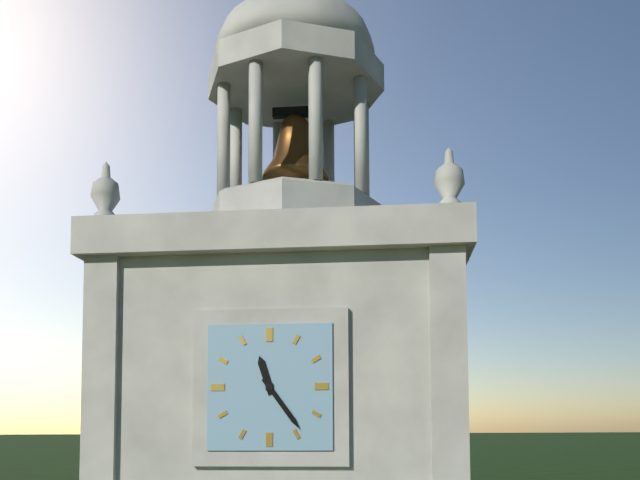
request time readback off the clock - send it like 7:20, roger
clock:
11:24
